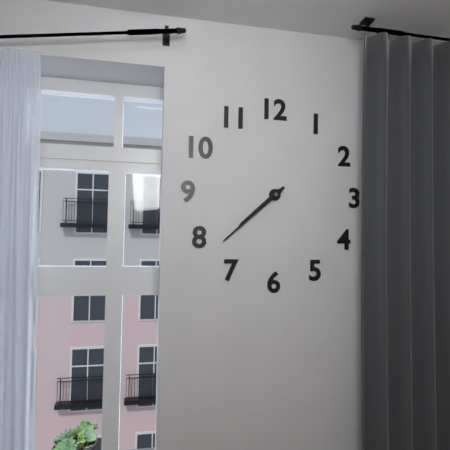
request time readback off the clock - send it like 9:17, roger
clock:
7:38
